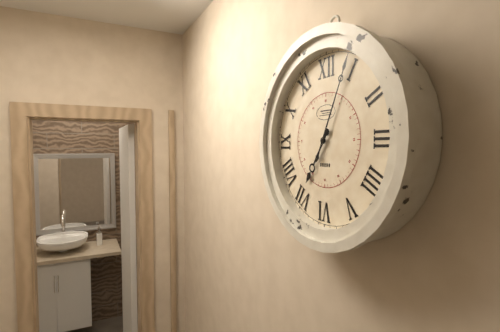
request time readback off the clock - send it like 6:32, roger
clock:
7:04
